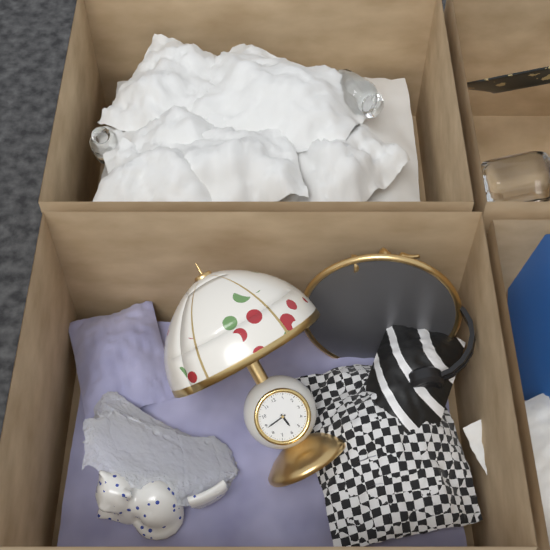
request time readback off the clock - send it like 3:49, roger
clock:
5:44
